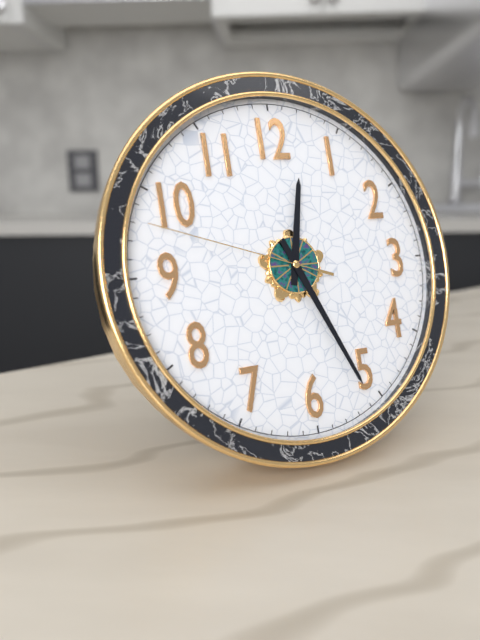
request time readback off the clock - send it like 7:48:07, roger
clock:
12:26:48
